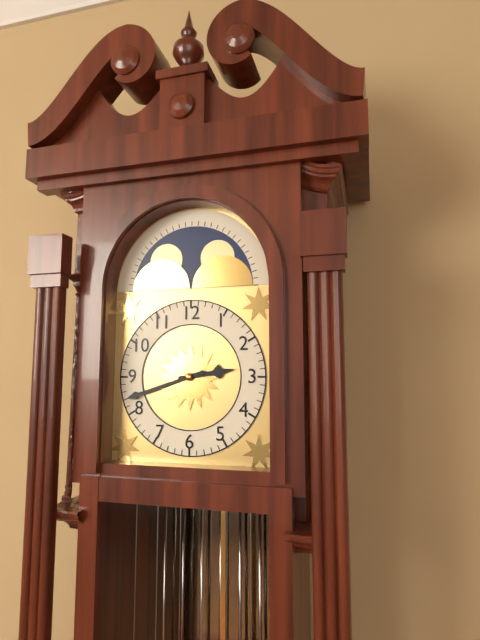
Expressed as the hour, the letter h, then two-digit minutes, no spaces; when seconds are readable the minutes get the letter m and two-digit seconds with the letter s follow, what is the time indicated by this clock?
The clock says 2h42
